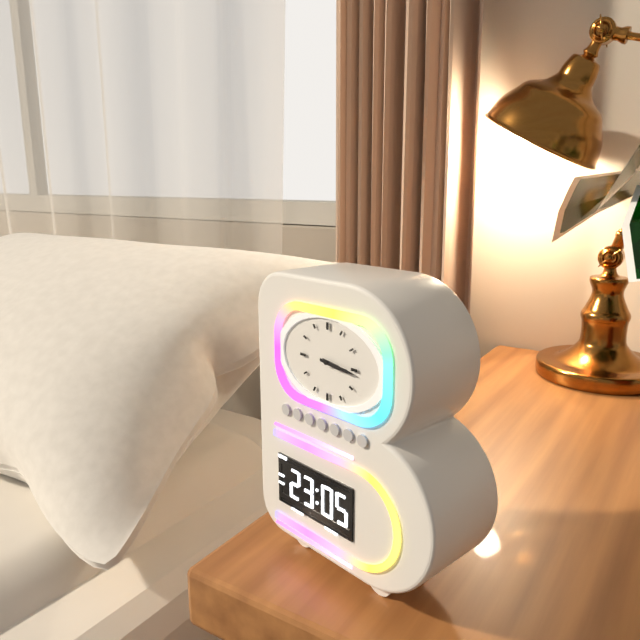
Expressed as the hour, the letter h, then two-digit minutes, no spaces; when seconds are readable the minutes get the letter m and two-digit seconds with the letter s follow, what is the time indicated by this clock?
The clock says 3h16
